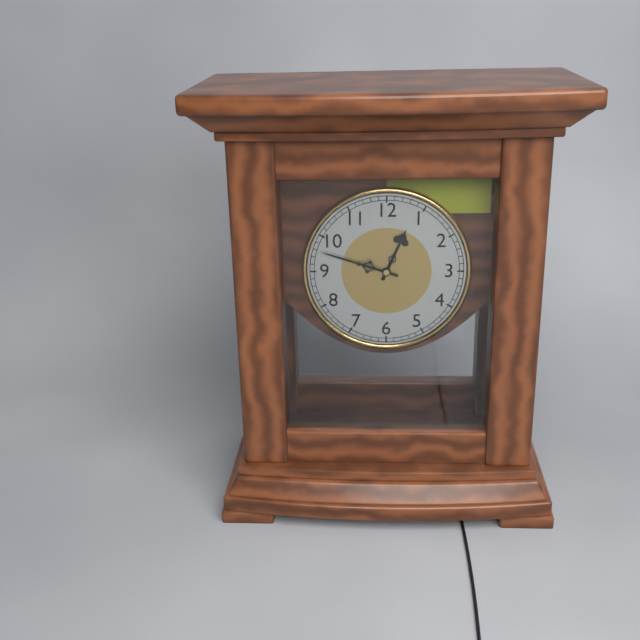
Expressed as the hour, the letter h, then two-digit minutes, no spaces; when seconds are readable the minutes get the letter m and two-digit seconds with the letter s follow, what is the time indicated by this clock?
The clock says 12h48
